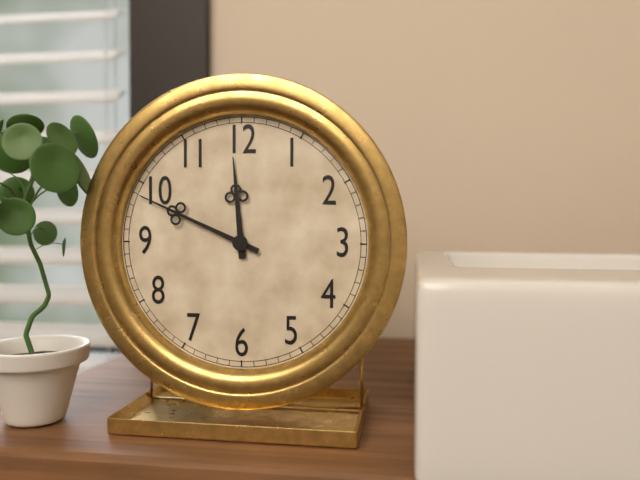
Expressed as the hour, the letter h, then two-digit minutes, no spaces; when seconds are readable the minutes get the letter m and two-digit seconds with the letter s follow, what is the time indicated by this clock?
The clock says 11h49
